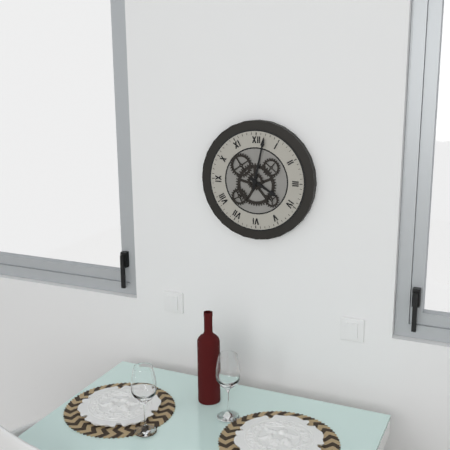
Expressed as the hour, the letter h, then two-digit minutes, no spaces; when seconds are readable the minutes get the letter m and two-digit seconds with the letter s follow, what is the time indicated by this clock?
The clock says 4h02
